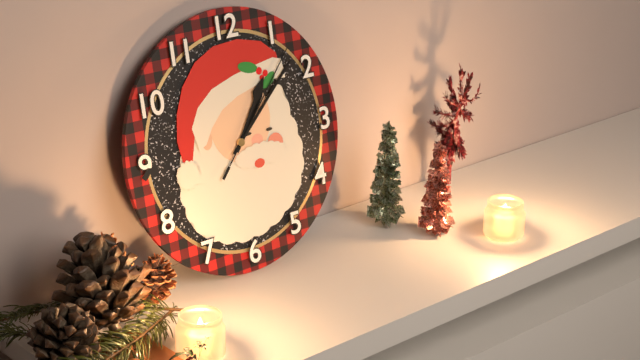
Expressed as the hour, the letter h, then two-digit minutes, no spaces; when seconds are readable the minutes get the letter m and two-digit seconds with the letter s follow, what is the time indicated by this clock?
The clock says 1h08m07s
